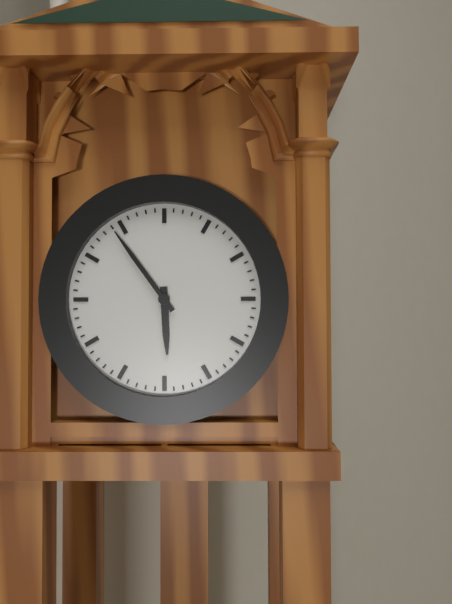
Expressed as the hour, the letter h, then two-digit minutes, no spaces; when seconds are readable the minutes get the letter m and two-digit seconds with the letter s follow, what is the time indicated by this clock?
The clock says 5h54
